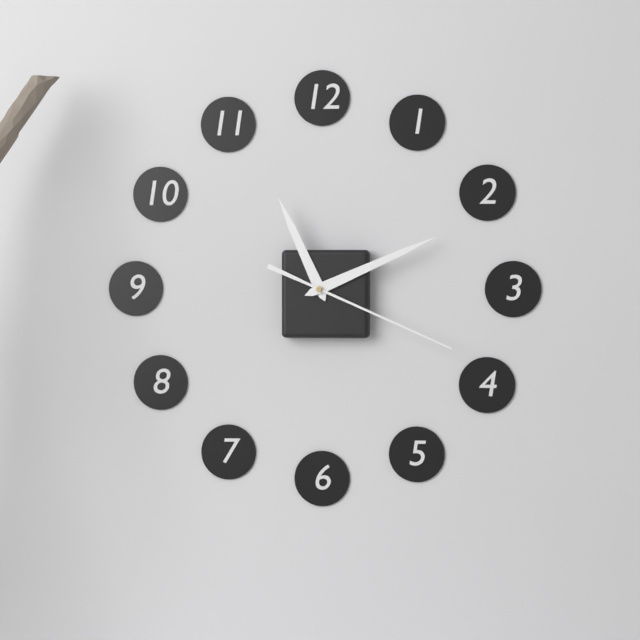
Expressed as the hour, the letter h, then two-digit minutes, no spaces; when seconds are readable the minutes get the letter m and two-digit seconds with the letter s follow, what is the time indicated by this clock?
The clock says 11h11m19s
